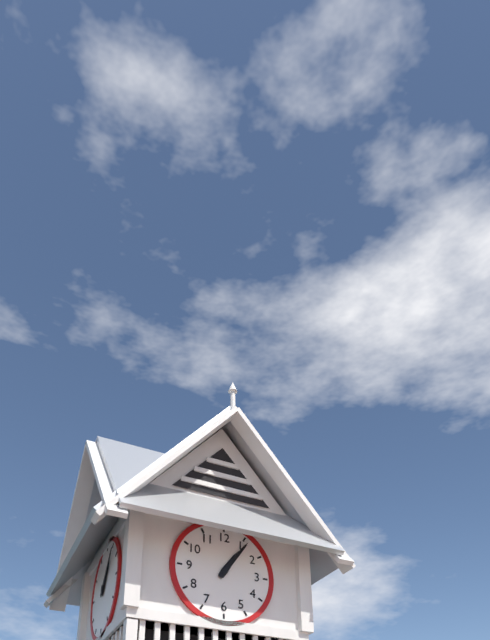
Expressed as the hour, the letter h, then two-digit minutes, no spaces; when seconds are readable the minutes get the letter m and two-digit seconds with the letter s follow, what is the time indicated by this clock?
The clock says 1h06
